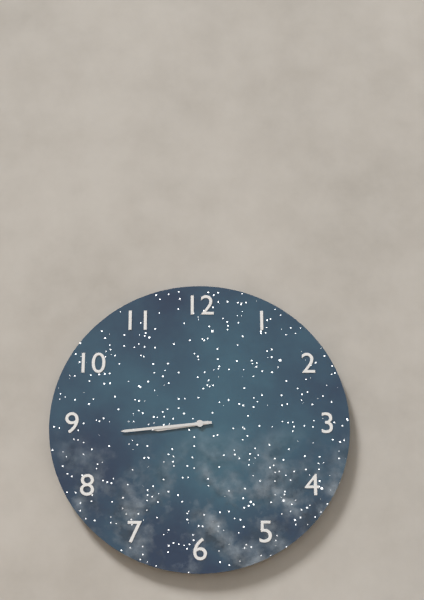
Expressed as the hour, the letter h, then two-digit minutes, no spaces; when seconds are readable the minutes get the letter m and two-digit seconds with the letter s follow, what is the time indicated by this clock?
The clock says 8h44
